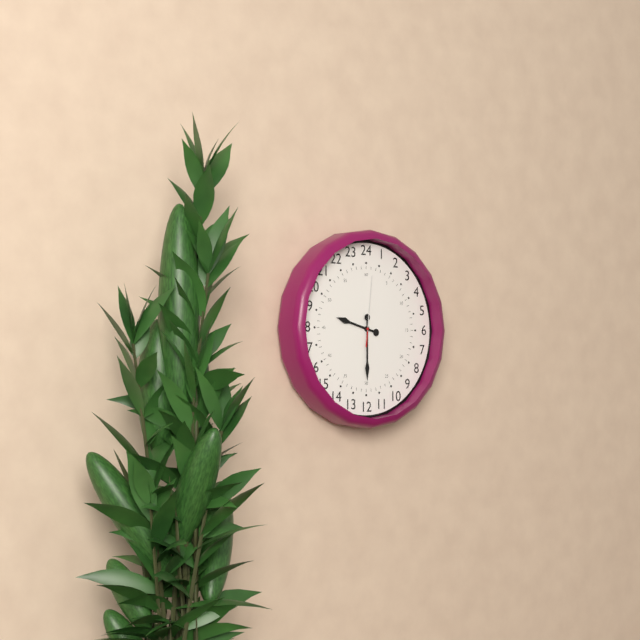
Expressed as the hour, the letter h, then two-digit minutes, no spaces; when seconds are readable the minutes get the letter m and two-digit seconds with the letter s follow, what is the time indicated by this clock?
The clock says 9h30m01s
